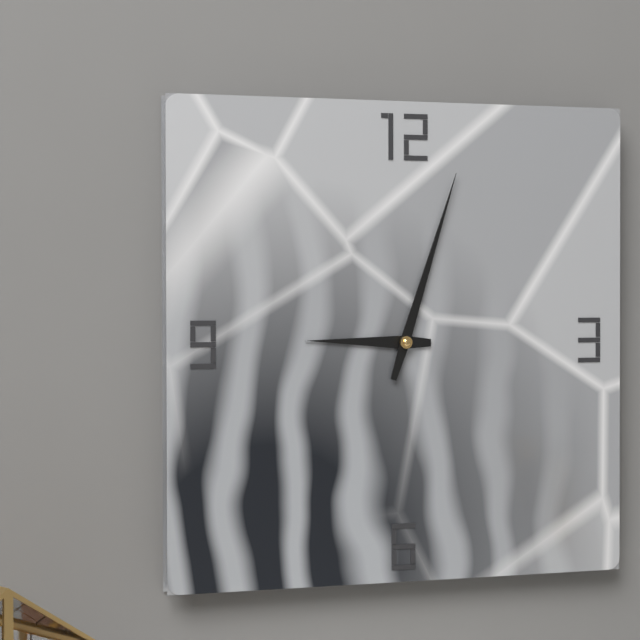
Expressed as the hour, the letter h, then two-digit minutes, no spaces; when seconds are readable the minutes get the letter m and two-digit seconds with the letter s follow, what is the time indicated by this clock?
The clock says 9h03
